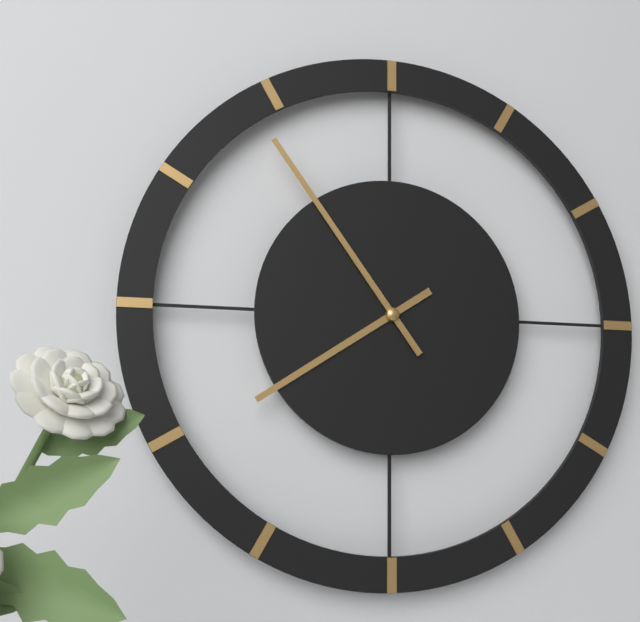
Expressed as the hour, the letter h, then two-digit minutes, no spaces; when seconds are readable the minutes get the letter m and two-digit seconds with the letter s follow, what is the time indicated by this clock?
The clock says 7h54
